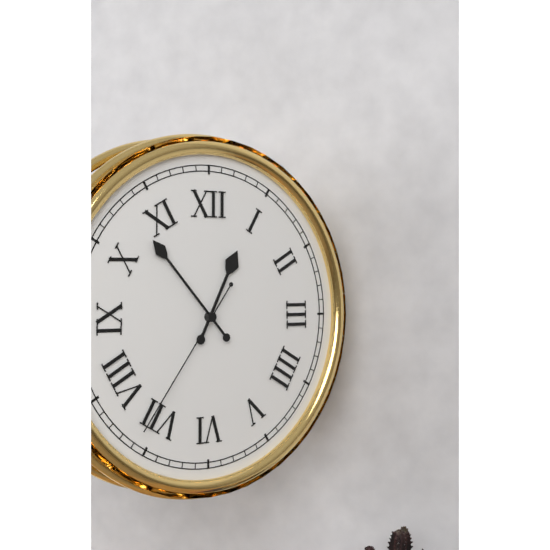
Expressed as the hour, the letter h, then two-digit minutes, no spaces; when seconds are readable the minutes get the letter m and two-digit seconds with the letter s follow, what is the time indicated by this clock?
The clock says 12h53m36s
